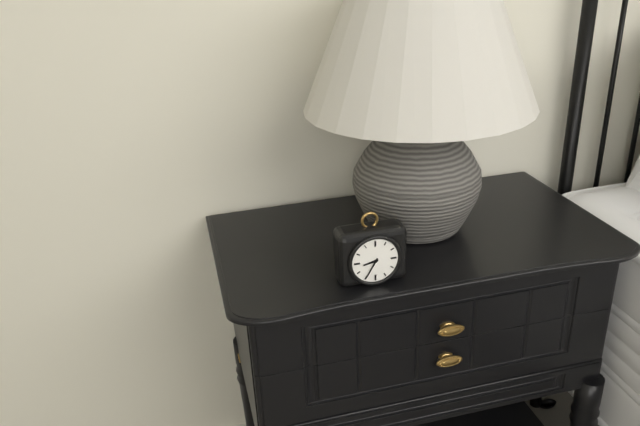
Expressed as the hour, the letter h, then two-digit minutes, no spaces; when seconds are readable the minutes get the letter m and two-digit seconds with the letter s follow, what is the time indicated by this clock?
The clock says 8h35
